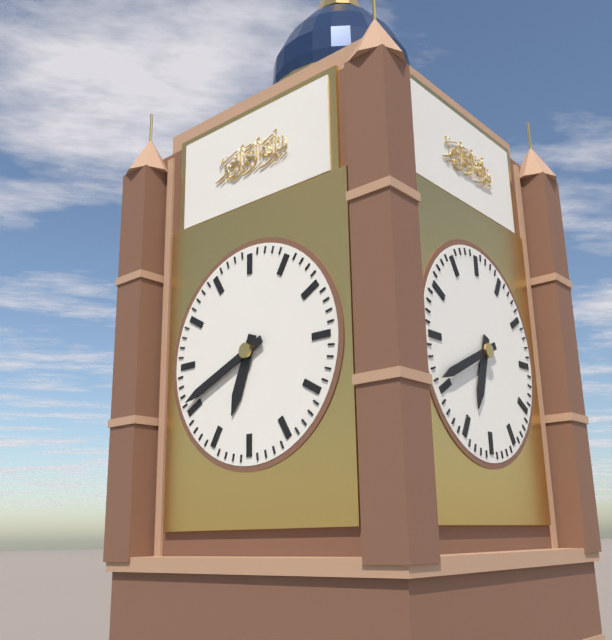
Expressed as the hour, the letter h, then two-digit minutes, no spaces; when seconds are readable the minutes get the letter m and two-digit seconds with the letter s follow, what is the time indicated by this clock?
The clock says 6h41
